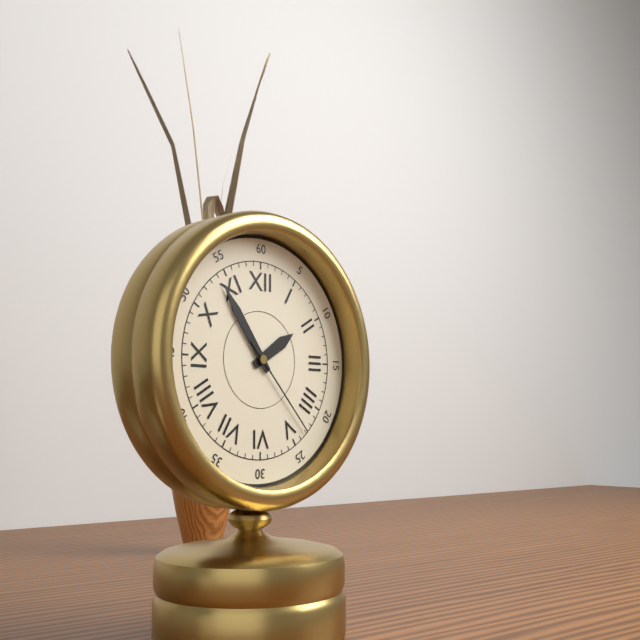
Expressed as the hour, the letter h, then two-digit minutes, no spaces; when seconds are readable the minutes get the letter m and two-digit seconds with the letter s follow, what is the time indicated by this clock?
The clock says 1h54m23s
